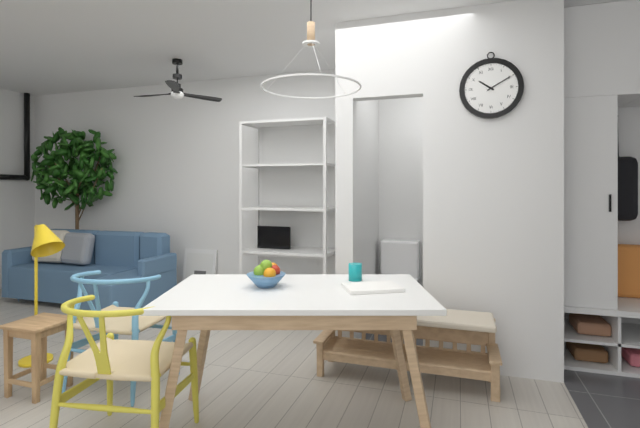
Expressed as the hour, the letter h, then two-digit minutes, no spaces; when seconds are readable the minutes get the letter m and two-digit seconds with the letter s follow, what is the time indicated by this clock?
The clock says 10h10
